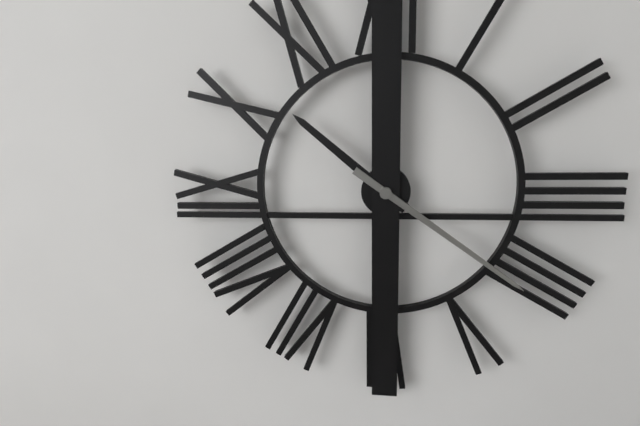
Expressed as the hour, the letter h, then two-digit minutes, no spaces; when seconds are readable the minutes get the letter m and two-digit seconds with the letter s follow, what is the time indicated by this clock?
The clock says 10h21
